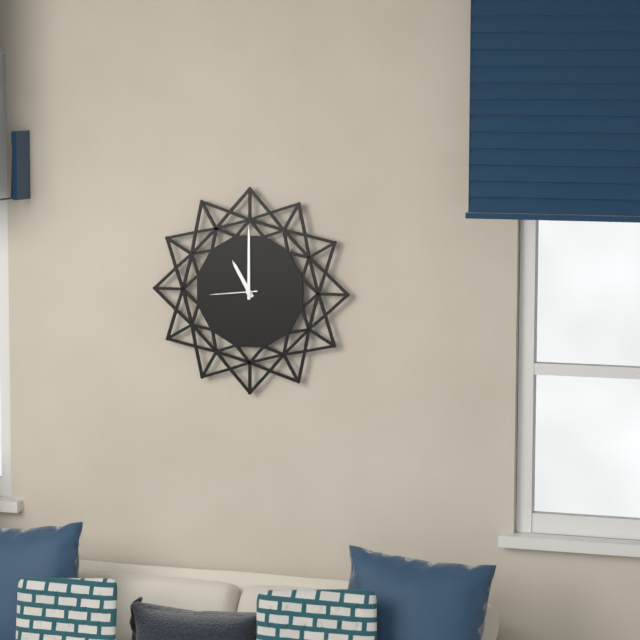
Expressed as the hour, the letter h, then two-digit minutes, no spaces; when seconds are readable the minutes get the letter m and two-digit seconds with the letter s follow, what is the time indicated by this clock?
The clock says 11h00m44s
